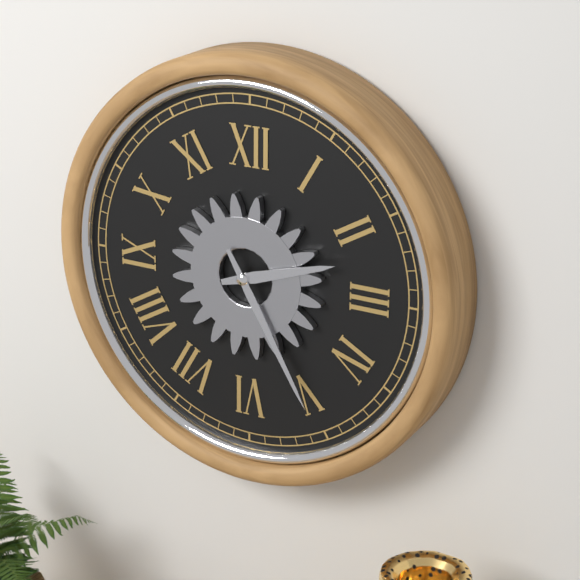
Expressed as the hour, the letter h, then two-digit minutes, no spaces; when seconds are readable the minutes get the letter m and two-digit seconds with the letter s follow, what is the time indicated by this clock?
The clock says 2h25
